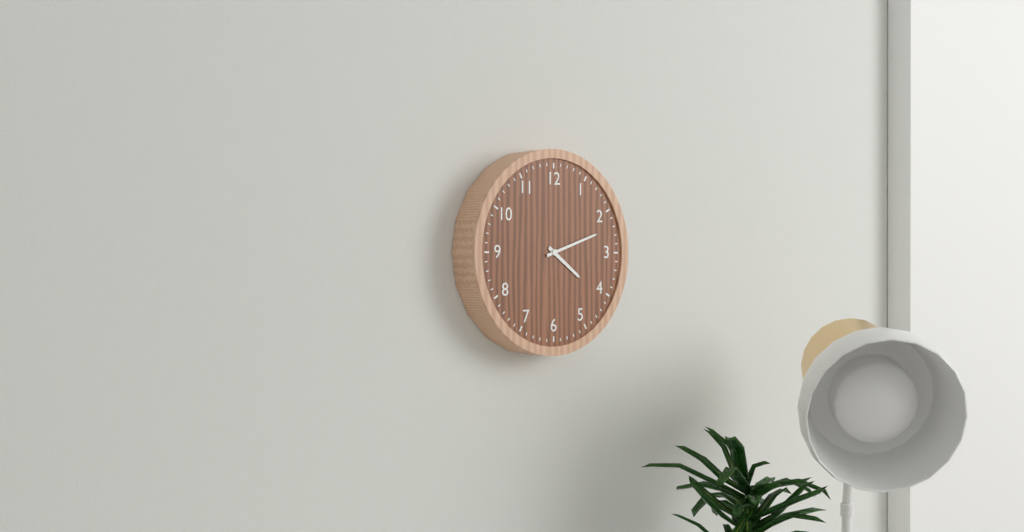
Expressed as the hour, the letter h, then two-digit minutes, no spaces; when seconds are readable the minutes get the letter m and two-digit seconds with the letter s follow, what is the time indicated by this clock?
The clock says 4h12
